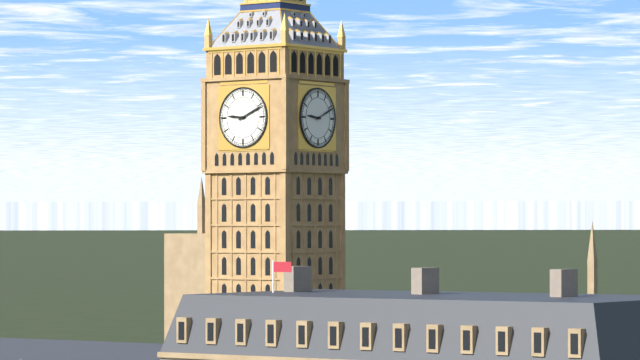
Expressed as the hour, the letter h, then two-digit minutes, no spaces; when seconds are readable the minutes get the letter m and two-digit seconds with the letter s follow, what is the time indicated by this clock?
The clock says 9h11
